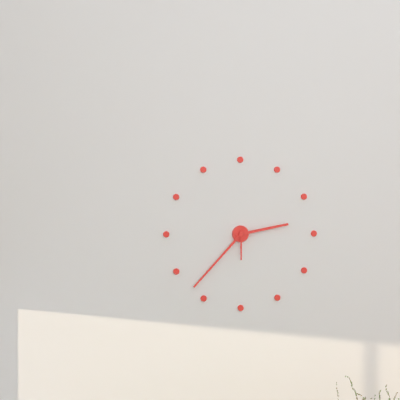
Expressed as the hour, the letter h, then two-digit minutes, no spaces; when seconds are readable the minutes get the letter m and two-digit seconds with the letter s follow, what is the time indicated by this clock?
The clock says 2h37
